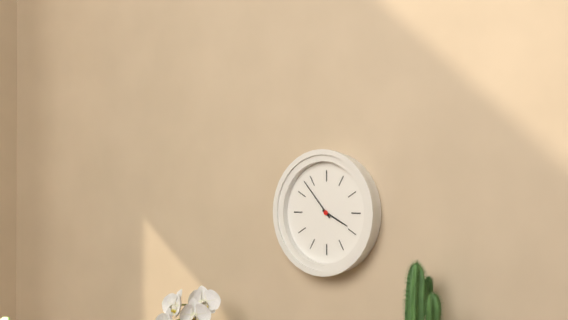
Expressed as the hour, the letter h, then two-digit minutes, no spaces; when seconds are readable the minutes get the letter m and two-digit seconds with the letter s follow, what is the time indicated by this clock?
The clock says 3h53
